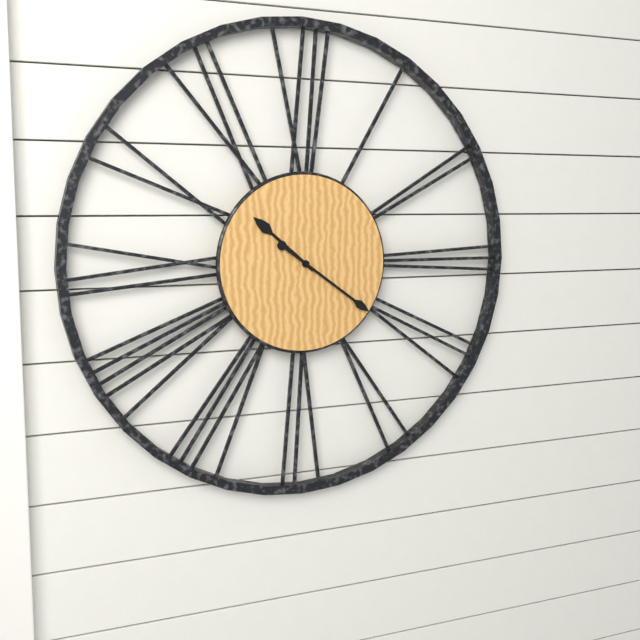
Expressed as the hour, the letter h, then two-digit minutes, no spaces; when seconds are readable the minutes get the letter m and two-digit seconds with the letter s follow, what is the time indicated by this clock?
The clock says 10h21
